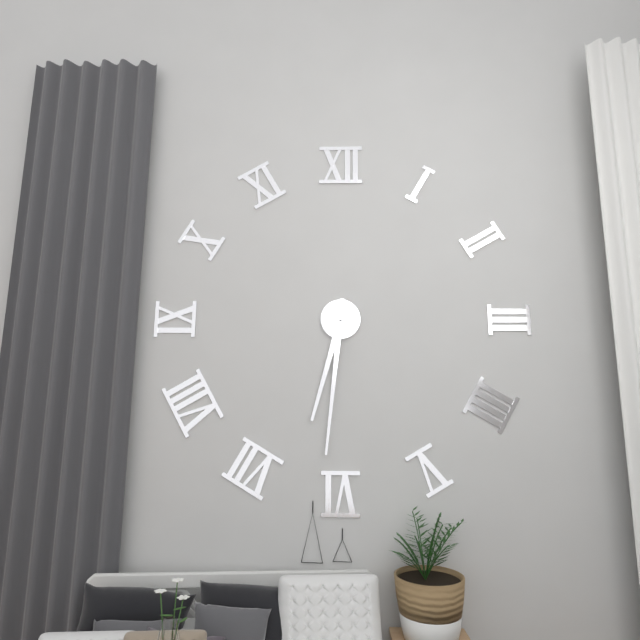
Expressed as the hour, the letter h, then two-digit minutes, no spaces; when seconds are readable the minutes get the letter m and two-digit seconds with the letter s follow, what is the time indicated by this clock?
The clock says 6h31
